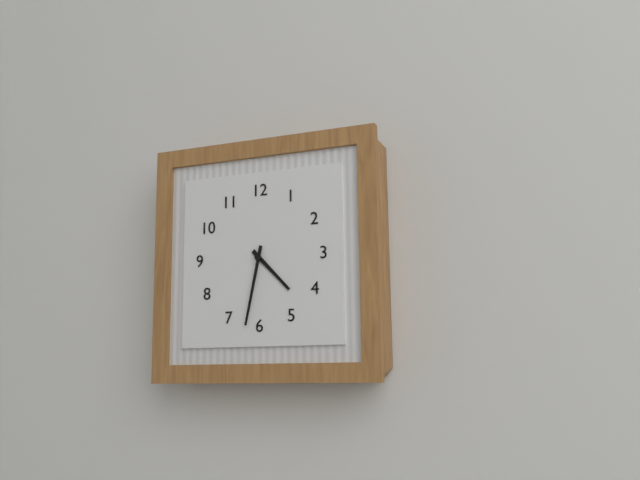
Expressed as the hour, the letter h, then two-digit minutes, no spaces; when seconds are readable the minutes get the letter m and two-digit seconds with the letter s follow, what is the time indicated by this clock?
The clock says 4h32
